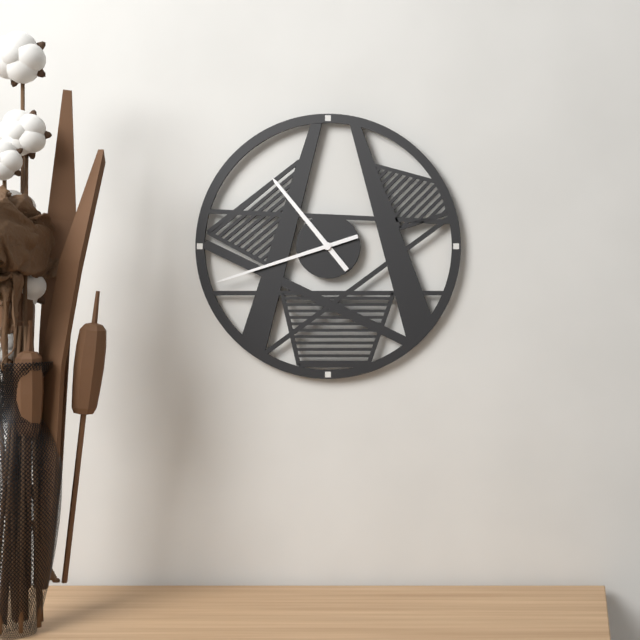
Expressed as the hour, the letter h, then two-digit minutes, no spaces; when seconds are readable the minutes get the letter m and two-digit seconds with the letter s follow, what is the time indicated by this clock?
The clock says 10h42
